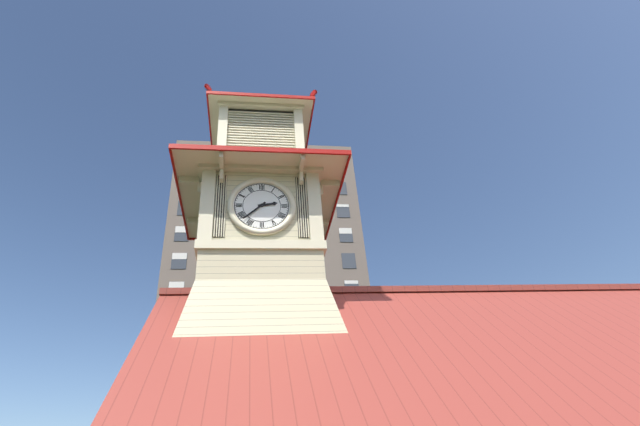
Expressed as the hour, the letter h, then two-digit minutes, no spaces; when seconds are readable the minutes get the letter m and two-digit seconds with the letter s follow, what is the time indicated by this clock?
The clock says 2h38
